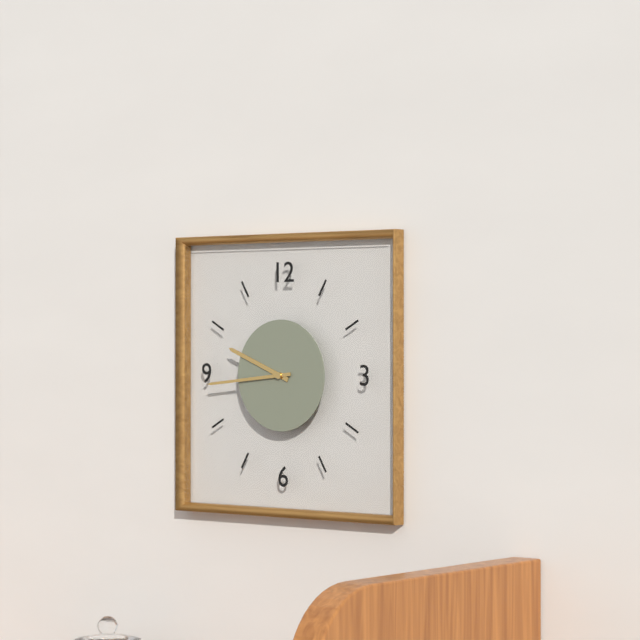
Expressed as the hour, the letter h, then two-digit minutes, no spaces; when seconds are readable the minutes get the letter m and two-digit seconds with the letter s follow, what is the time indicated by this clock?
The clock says 9h44
